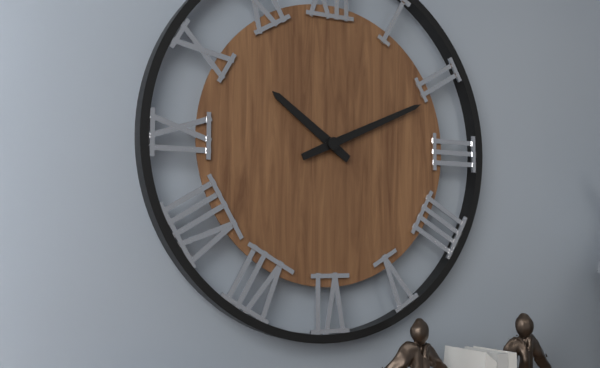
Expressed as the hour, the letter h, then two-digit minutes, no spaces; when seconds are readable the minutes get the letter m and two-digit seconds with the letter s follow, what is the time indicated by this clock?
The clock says 10h11
